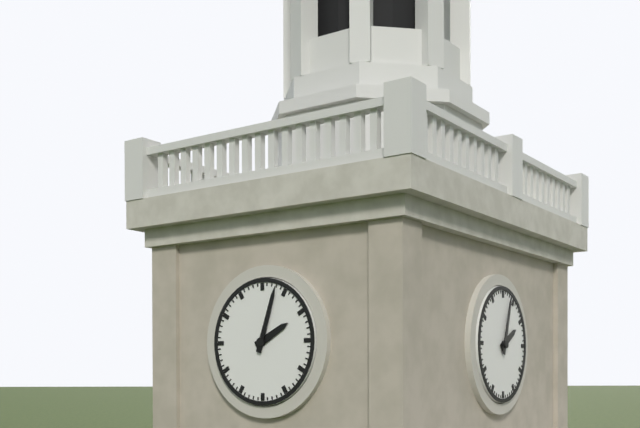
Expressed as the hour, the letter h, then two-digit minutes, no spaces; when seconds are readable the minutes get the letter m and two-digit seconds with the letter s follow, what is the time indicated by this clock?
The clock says 2h03
